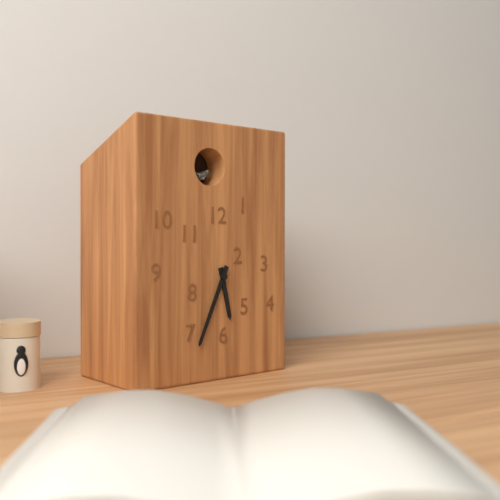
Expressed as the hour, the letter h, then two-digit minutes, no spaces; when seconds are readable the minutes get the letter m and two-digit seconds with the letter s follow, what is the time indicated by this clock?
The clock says 5h34
